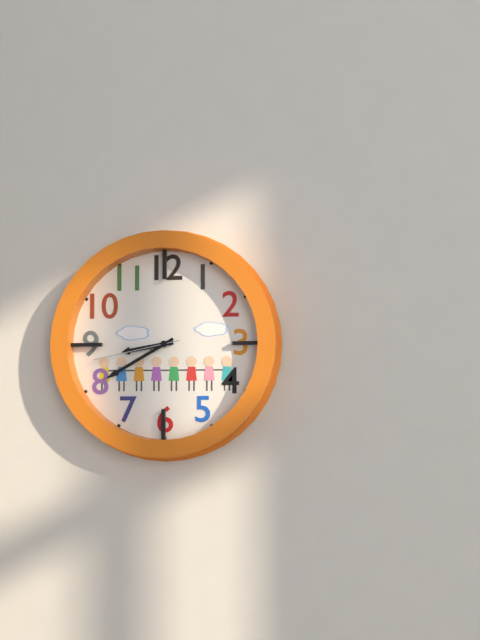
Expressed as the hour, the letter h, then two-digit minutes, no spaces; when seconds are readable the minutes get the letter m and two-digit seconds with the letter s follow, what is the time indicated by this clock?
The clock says 8h40m43s
